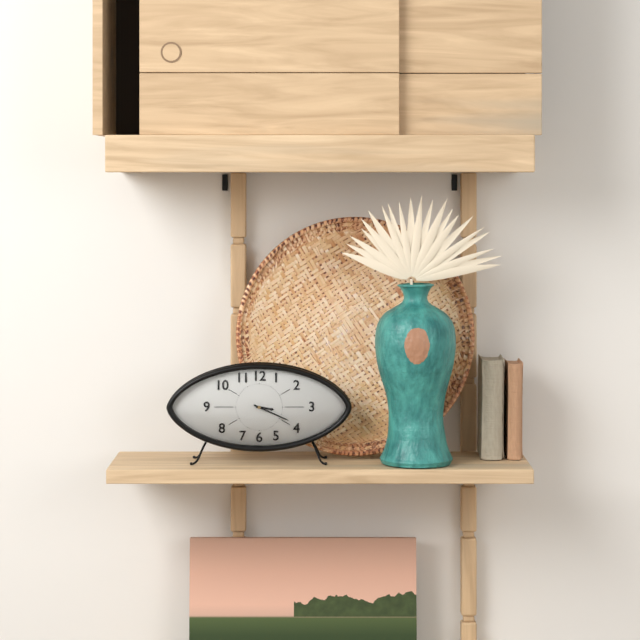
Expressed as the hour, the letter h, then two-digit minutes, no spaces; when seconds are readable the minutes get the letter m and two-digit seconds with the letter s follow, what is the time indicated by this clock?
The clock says 3h19
